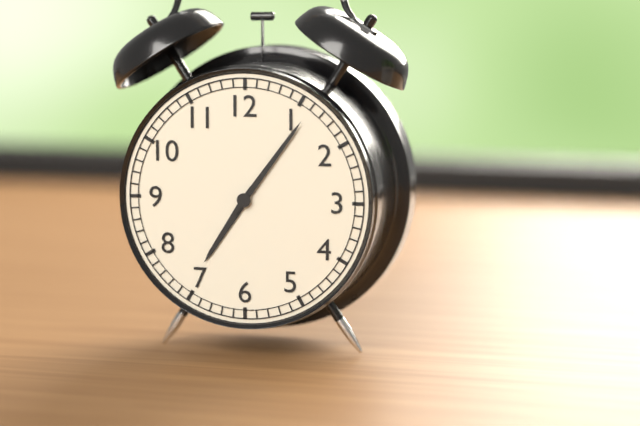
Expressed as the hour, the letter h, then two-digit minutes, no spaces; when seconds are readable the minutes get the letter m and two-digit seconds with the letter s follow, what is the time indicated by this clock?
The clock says 7h06
